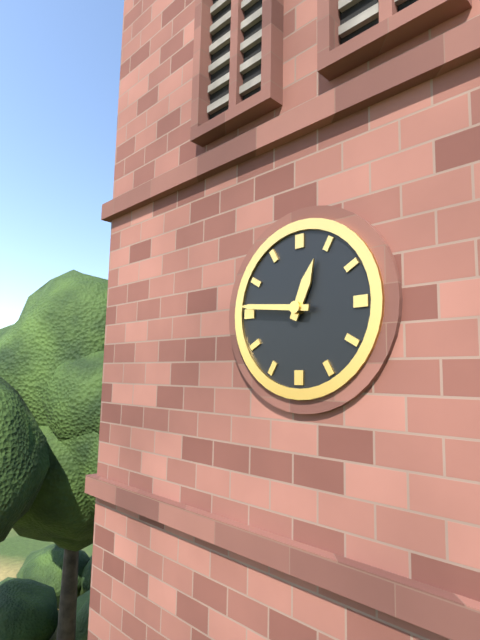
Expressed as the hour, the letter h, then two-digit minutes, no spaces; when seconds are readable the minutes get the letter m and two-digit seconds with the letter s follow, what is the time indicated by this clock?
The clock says 12h46
